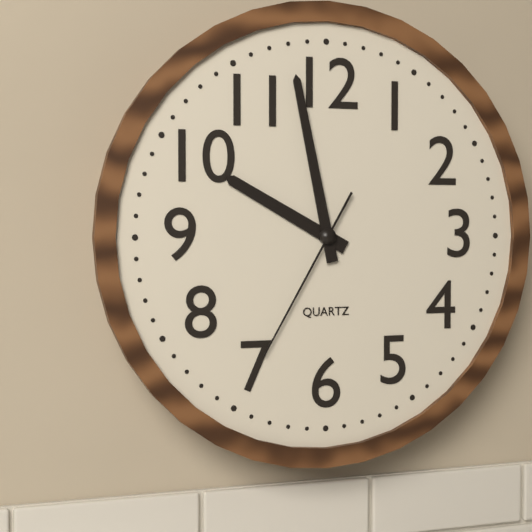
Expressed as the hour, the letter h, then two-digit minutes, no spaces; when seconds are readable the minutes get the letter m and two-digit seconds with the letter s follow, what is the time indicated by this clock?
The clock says 9h58m35s
